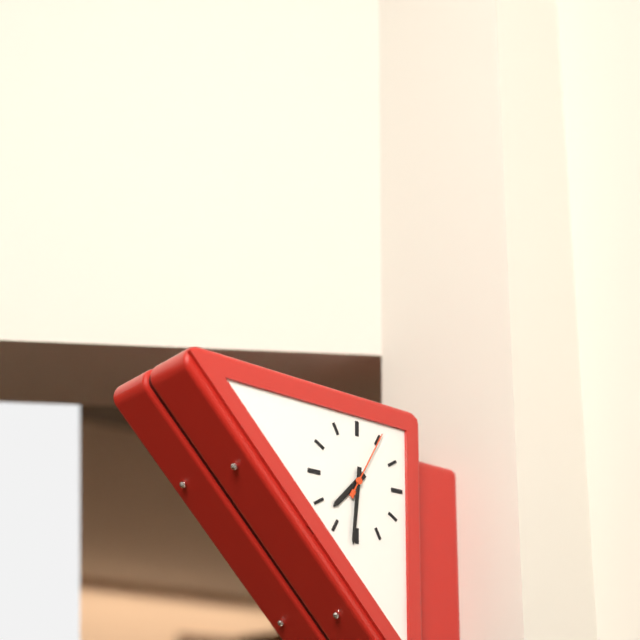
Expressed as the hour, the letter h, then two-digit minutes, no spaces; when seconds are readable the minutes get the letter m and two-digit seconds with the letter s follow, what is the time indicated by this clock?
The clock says 7h31m05s
